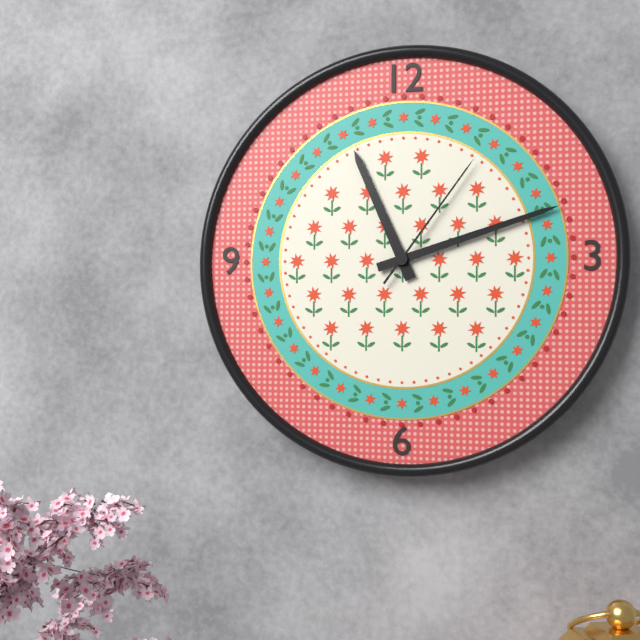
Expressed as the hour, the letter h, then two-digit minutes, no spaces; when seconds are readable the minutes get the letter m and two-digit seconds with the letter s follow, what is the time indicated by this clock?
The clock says 11h12m06s
